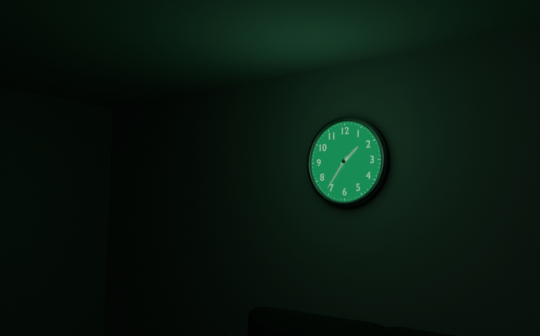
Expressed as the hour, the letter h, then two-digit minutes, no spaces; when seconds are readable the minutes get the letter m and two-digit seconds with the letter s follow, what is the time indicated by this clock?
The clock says 1h36
